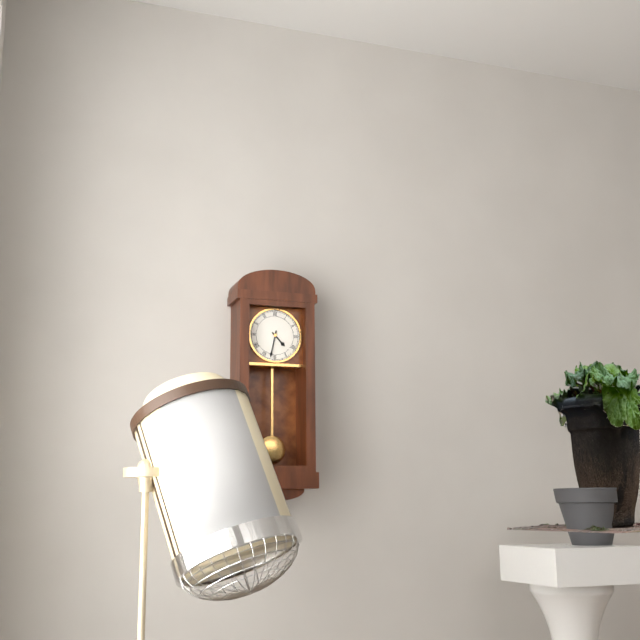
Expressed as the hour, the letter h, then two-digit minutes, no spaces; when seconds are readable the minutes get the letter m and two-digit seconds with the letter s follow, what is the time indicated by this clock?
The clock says 4h32
